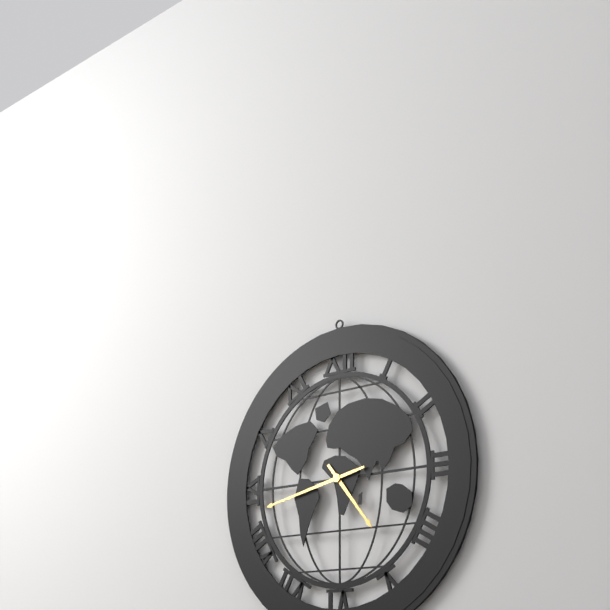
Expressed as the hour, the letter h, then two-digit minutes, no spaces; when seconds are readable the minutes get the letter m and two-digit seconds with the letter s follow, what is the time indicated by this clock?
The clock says 4h43
